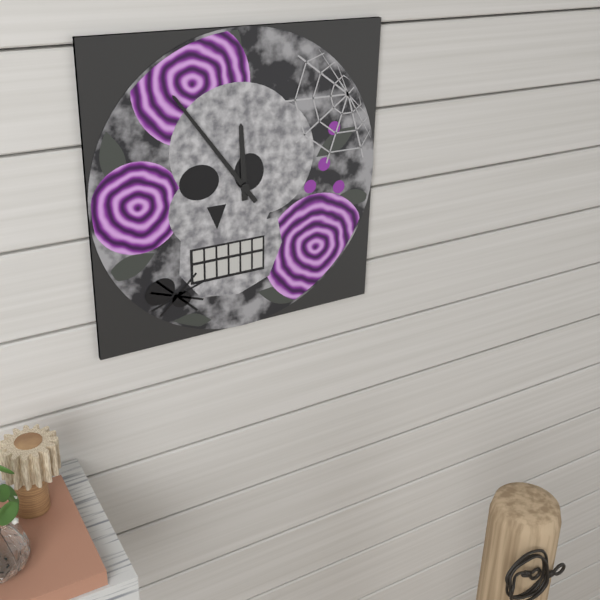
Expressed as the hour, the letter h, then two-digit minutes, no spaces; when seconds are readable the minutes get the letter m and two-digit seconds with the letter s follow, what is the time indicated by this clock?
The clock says 11h54
